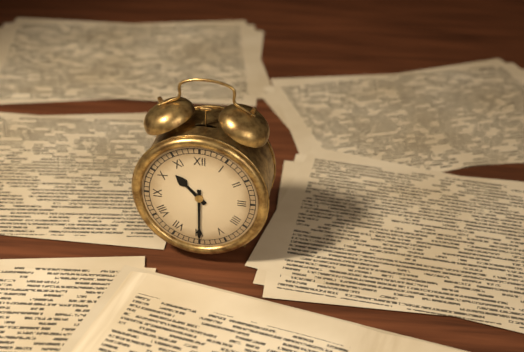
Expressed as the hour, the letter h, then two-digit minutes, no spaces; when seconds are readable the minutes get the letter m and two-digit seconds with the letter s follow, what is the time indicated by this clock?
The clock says 10h30
